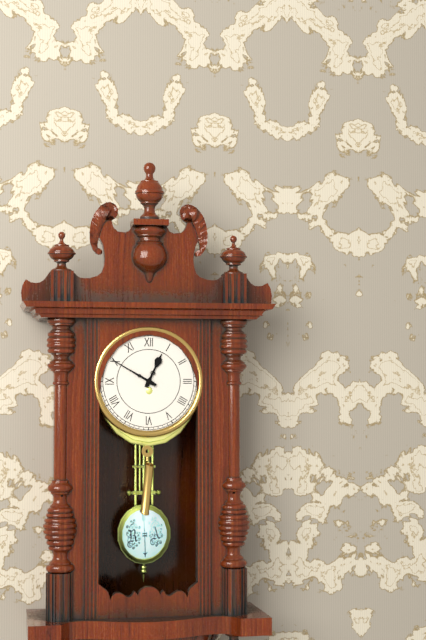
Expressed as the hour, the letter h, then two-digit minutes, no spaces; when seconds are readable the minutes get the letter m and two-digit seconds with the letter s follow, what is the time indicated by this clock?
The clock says 12h50
